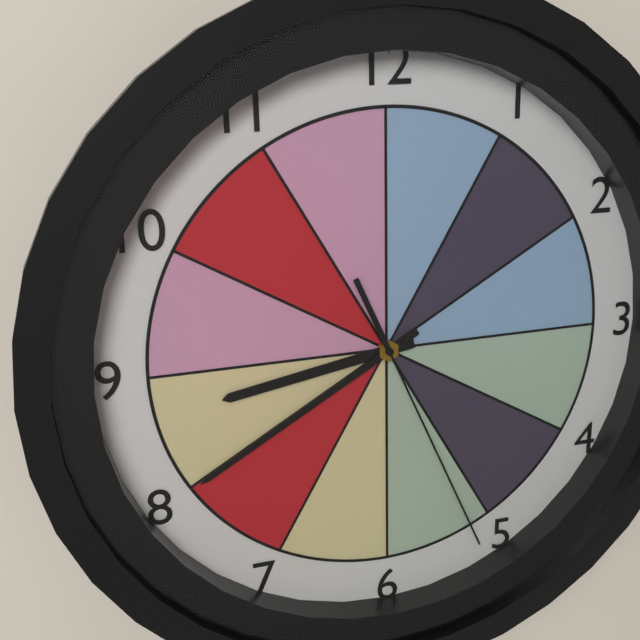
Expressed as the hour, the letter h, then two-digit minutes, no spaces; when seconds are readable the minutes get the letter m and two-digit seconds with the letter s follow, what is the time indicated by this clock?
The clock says 8h40m26s
